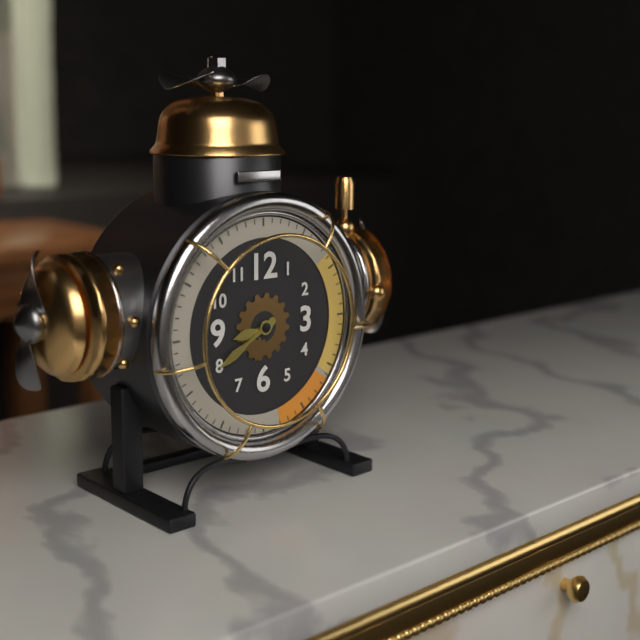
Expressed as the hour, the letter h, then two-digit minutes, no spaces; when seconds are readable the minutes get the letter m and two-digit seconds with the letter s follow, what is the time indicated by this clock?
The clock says 8h40
